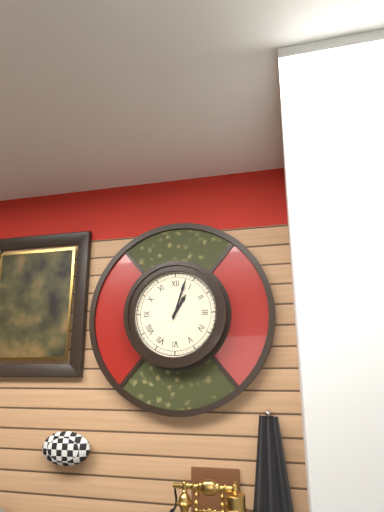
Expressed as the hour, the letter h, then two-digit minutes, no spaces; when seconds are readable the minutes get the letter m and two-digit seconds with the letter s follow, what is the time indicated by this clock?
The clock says 1h03
